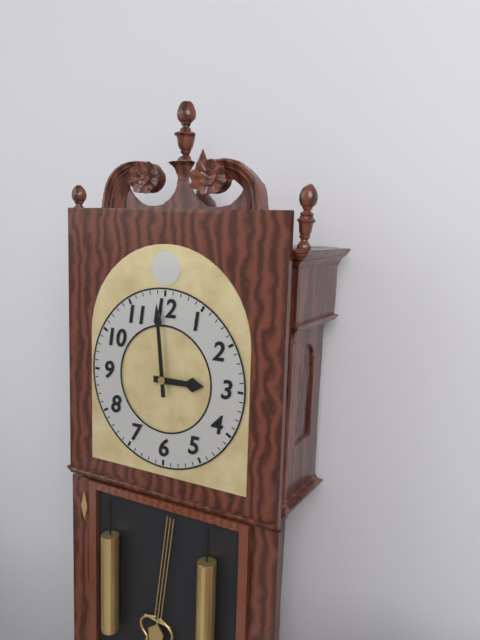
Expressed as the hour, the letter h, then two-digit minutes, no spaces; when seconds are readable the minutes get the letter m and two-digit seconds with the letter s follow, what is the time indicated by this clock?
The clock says 2h59
